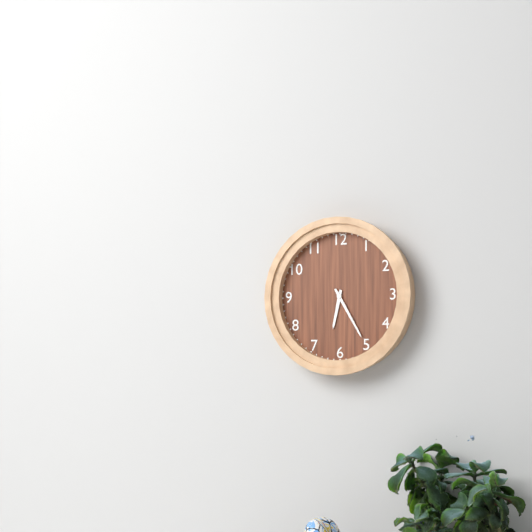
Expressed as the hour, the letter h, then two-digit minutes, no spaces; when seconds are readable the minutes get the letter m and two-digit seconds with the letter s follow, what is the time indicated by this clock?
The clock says 6h25
